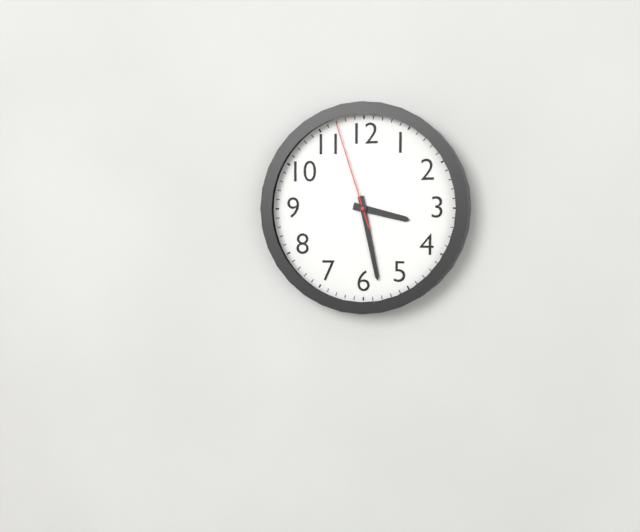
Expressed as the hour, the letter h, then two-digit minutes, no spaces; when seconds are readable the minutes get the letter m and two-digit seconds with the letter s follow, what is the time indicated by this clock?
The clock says 3h28m57s
